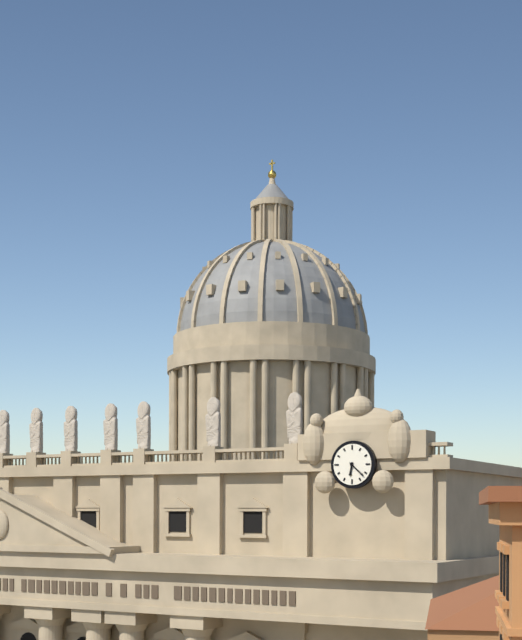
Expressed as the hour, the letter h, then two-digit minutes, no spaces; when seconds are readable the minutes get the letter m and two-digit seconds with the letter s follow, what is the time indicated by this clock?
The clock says 6h22
